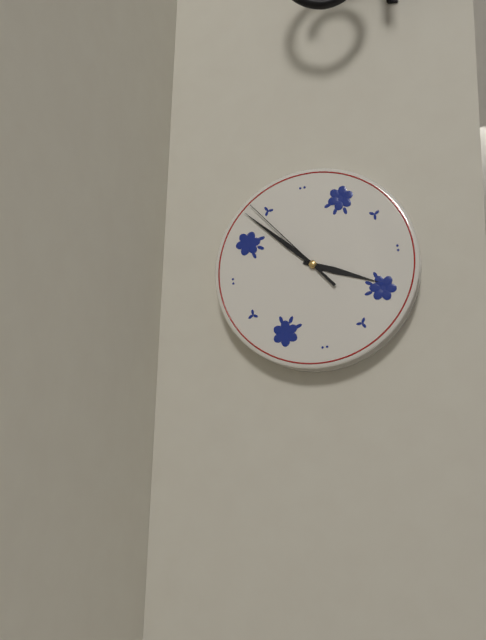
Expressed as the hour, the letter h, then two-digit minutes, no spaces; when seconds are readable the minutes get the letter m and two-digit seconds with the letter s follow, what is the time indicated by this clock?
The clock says 3h53m54s
